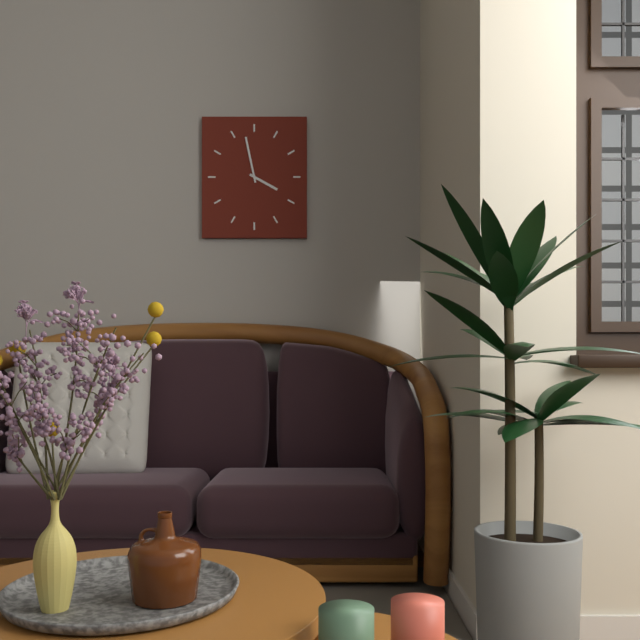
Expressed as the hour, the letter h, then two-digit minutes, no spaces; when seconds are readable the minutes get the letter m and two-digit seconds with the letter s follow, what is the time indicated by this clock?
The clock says 3h58
